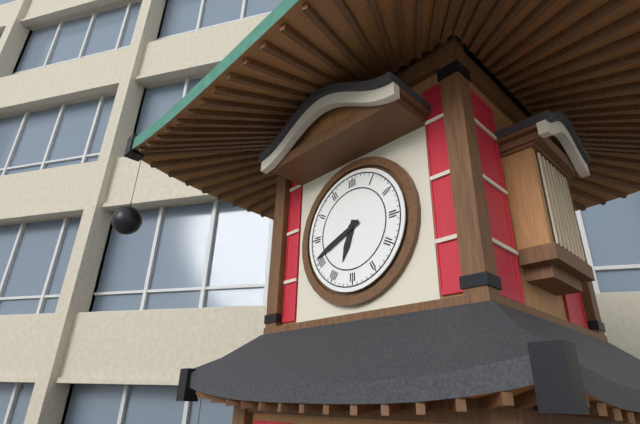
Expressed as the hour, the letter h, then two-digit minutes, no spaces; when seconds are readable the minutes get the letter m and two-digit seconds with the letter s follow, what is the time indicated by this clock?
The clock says 6h41
